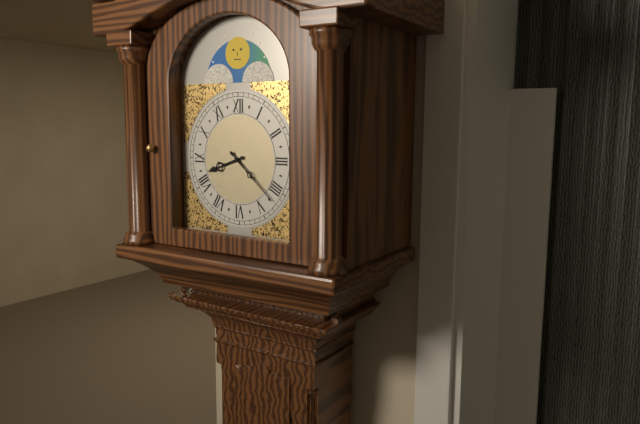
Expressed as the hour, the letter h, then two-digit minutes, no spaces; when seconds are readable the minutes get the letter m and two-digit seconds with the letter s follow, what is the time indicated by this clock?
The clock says 8h22
